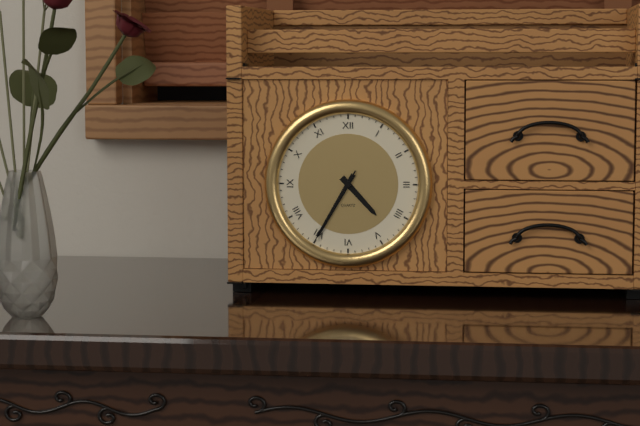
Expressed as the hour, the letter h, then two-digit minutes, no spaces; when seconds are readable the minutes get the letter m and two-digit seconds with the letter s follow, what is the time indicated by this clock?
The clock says 4h35m35s
